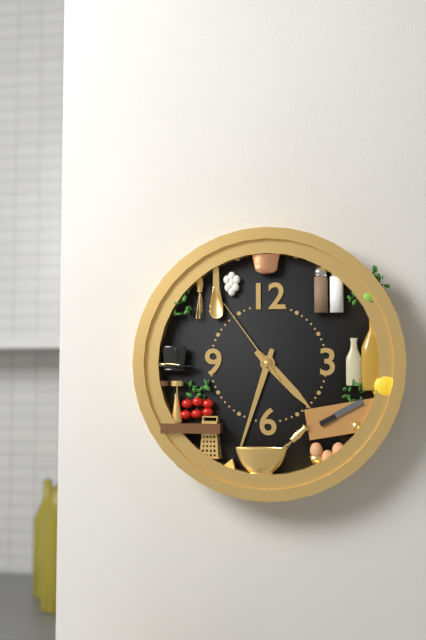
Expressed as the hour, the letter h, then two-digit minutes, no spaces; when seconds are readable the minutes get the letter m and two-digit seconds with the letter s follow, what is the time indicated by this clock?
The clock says 4h33m54s
